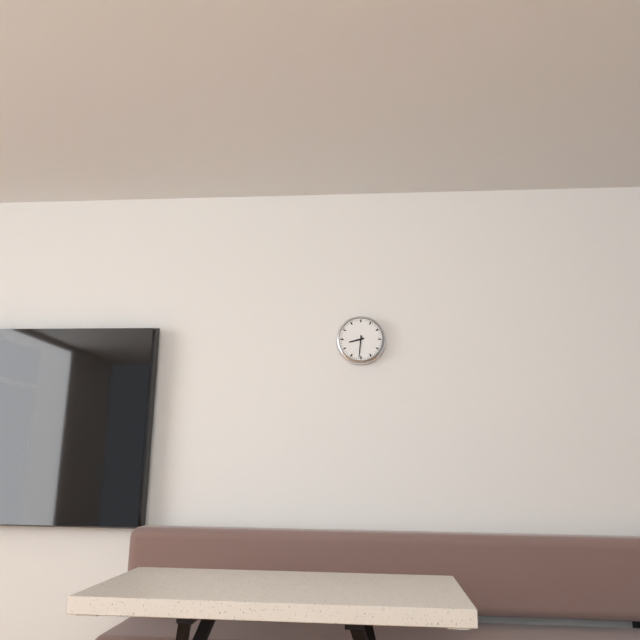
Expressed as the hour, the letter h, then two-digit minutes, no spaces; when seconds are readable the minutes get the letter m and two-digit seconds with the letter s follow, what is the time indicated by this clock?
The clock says 8h31
